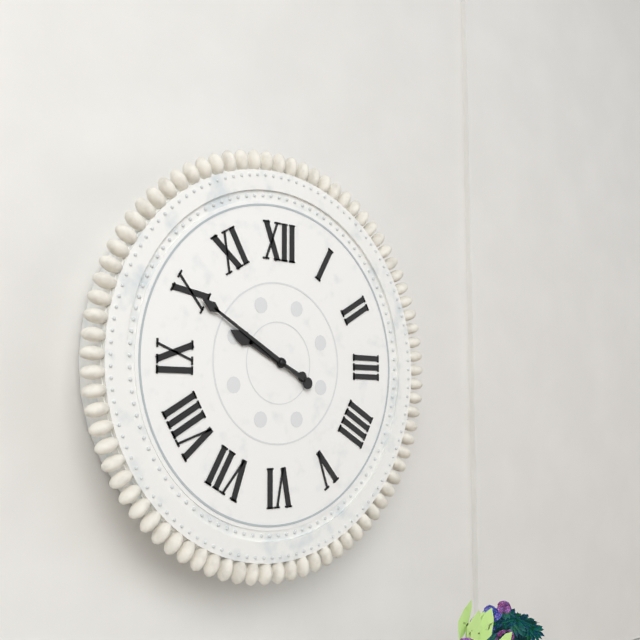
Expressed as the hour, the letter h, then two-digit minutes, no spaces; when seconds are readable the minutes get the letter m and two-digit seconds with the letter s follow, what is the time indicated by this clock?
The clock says 9h50
